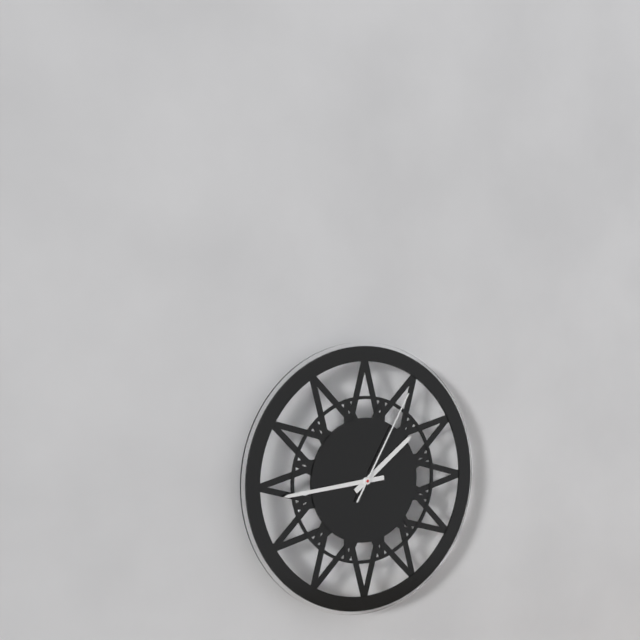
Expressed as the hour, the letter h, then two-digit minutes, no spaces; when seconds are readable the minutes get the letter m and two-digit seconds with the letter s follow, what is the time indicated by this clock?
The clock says 1h44m05s
